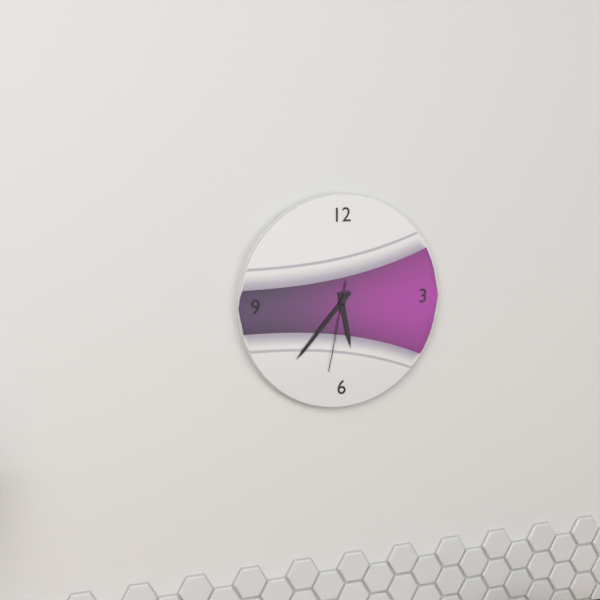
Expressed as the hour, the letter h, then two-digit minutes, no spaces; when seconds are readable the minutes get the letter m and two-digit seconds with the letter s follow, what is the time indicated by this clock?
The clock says 5h37m32s
